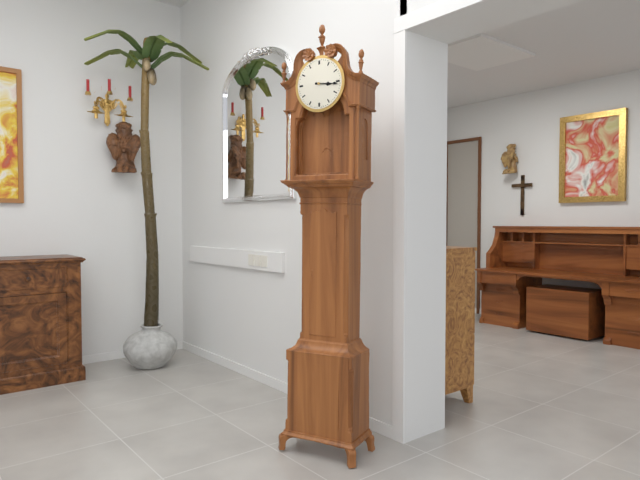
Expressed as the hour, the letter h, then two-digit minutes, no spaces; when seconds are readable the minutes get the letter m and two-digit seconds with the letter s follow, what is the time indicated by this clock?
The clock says 3h16
